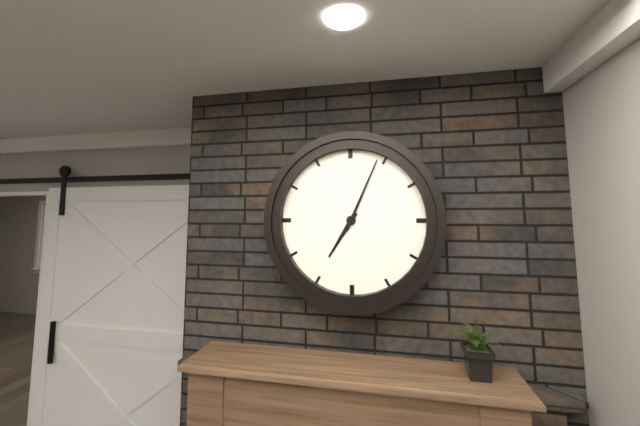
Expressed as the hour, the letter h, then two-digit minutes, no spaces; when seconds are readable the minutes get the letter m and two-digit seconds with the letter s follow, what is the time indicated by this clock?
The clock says 7h04
